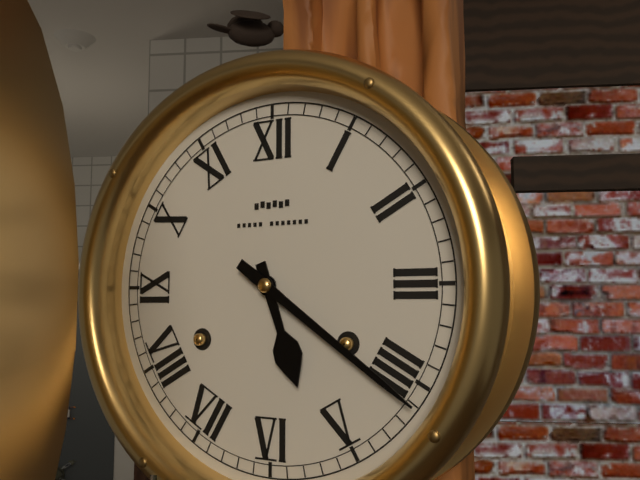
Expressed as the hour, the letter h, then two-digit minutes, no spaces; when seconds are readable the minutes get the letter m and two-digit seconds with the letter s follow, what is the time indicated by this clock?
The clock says 5h21
